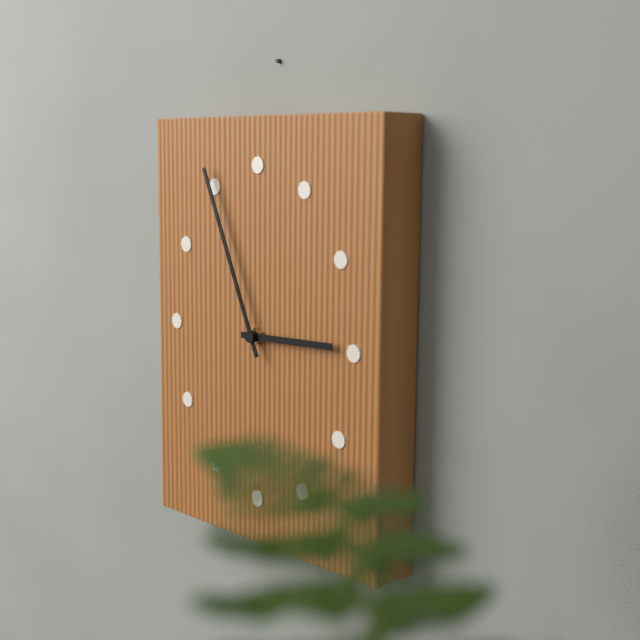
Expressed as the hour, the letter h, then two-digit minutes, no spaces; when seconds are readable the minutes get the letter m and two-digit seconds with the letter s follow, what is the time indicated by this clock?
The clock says 2h56
